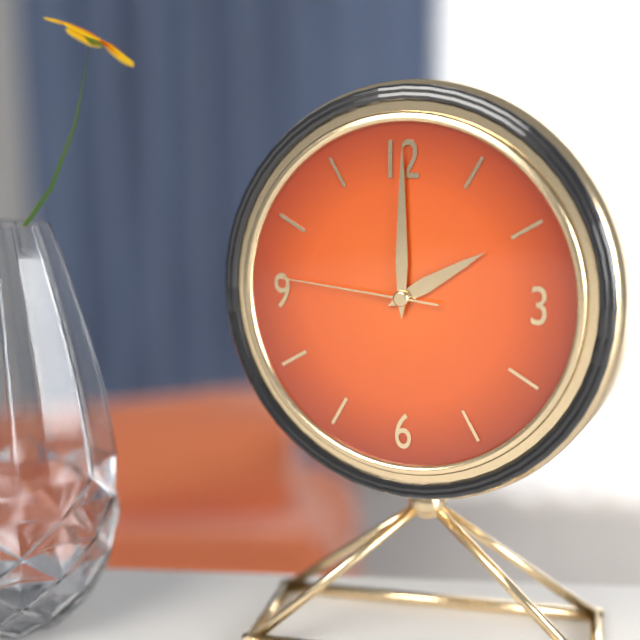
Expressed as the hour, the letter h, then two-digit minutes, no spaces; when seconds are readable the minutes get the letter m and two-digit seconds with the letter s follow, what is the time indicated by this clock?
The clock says 2h00m46s
